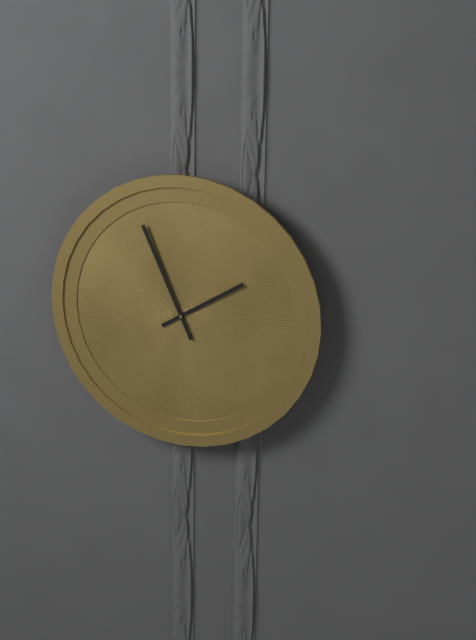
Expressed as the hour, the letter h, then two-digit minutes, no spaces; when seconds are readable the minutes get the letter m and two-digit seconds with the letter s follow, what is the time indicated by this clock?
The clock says 1h56
